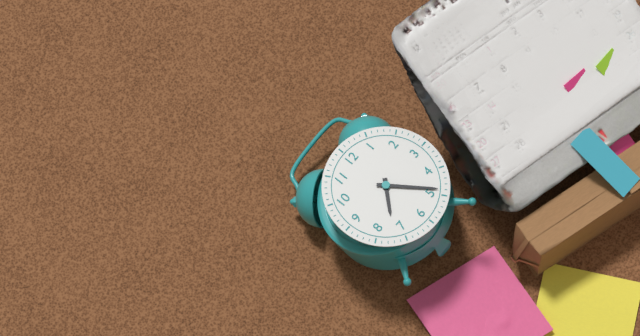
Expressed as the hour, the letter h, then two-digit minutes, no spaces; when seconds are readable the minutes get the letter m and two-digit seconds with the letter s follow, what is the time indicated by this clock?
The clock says 7h24
